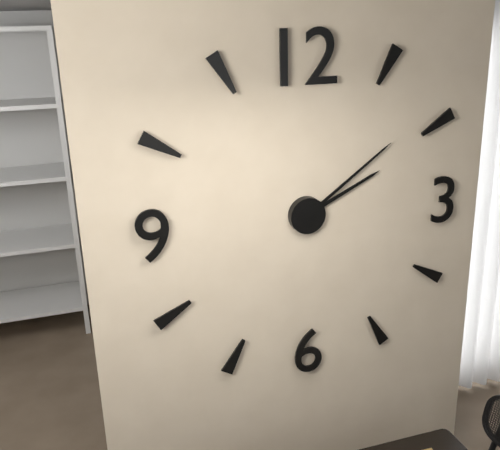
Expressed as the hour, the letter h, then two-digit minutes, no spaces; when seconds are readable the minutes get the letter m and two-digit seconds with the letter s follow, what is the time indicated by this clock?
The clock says 2h09
